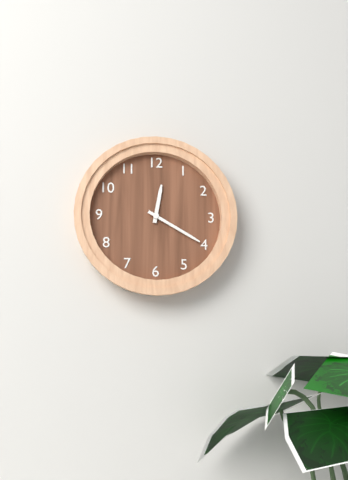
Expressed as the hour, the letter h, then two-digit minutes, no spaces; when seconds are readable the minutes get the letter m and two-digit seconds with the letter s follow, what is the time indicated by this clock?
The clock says 12h20
